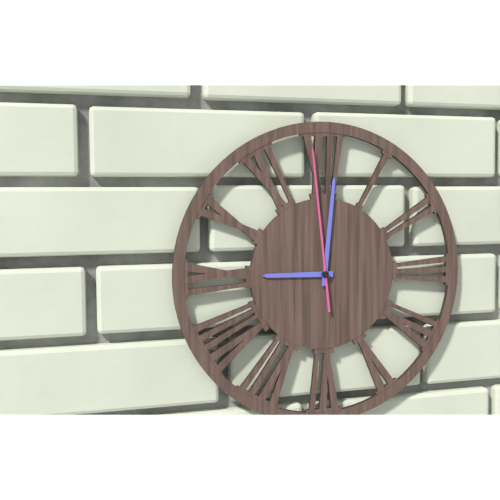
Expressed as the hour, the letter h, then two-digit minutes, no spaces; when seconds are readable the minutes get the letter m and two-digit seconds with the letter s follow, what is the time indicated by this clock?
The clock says 9h01m59s
